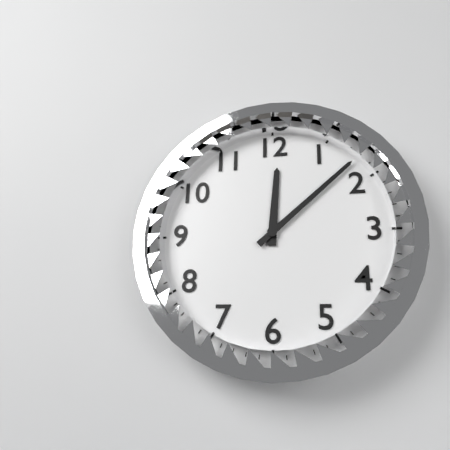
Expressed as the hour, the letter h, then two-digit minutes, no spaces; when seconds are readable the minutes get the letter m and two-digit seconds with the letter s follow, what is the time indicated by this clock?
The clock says 12h08
